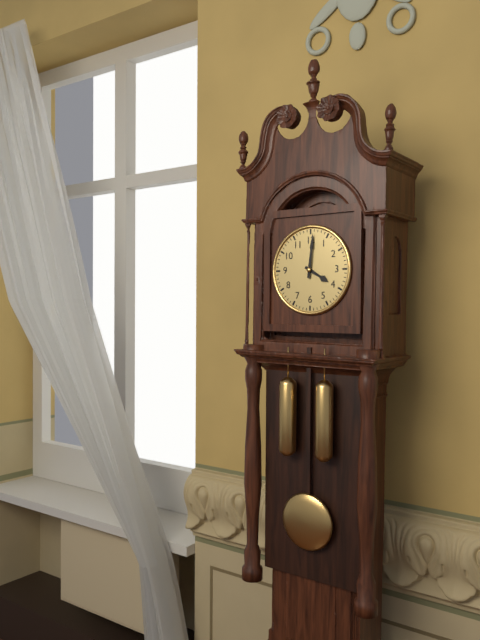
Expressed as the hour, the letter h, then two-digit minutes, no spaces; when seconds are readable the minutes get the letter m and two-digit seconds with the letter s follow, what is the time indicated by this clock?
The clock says 4h01
